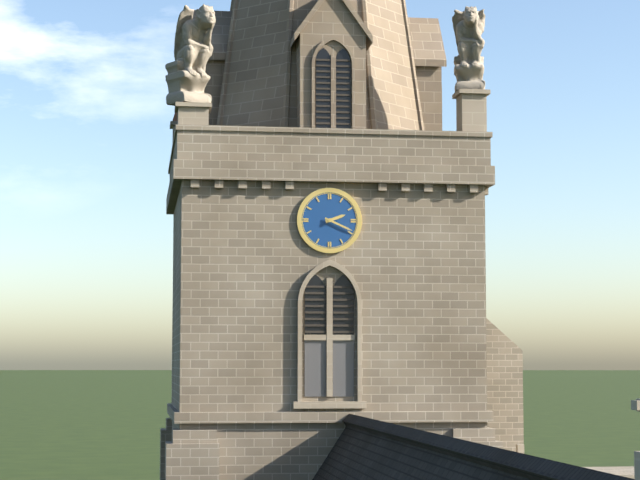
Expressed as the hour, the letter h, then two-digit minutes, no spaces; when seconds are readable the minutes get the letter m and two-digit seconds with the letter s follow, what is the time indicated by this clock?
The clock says 2h19
